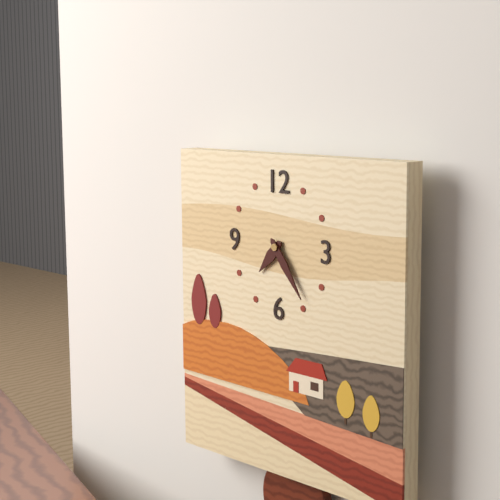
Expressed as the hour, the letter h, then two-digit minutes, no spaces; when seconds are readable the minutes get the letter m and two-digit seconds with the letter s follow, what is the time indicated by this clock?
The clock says 7h24
